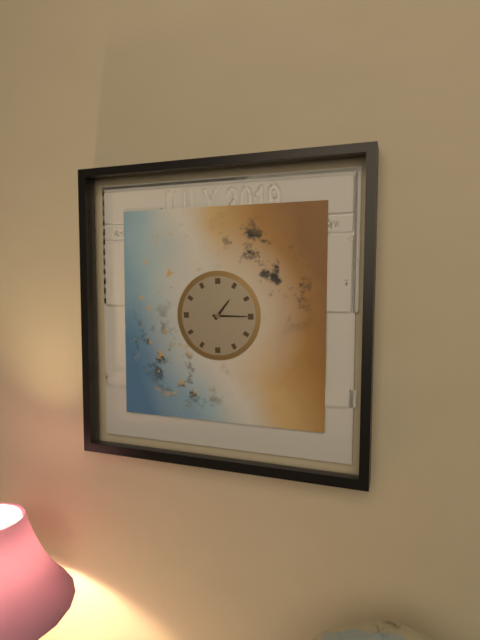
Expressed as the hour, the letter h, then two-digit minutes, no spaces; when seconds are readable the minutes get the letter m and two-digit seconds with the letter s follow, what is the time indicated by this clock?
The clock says 1h15
